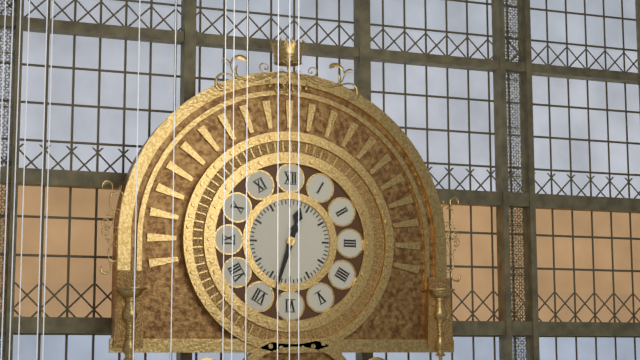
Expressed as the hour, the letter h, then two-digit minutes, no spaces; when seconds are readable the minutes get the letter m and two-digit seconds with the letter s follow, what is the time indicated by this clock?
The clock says 12h33
